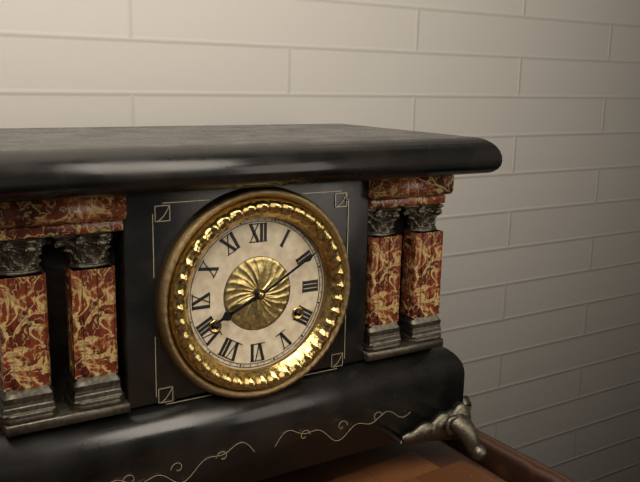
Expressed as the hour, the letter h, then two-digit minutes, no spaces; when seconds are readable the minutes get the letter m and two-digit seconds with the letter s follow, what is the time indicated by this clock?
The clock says 8h10
